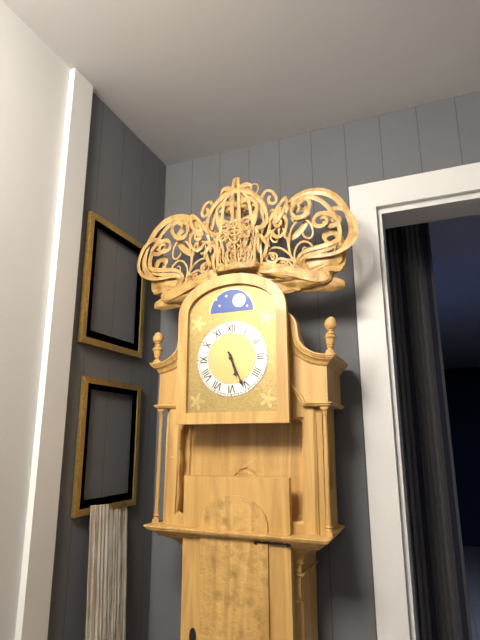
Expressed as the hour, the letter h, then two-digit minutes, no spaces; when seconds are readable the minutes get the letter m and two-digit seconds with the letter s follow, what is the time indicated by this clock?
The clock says 5h26
